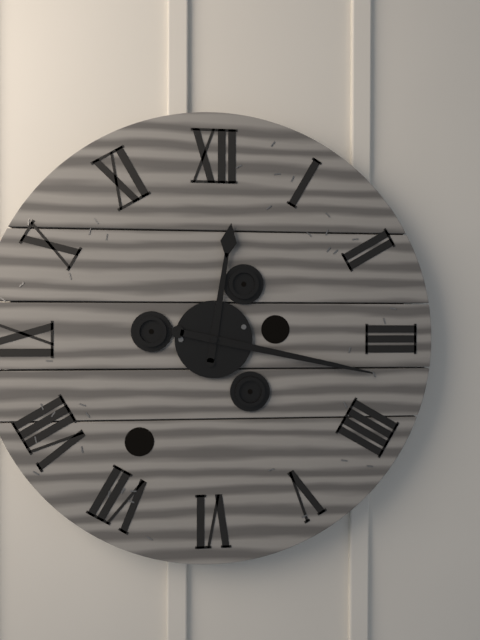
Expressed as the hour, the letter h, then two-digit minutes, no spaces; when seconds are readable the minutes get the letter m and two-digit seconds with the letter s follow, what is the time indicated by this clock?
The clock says 12h17
